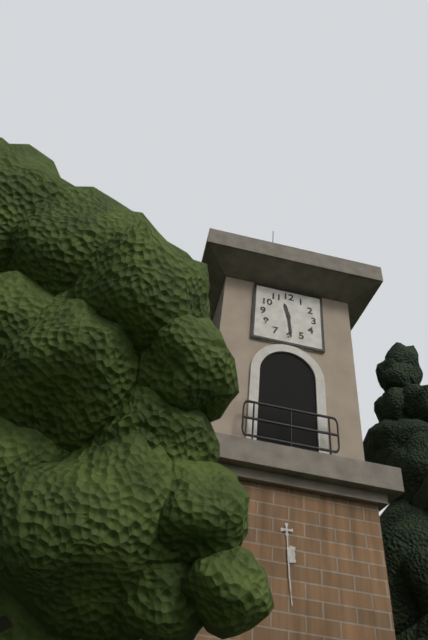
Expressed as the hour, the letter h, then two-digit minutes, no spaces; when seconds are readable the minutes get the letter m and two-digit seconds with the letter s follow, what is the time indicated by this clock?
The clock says 11h29
